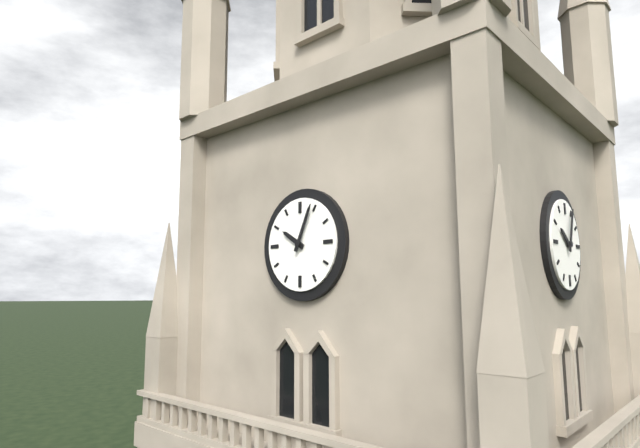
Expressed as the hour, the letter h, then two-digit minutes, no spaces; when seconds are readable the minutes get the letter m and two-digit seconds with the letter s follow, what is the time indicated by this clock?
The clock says 10h04
